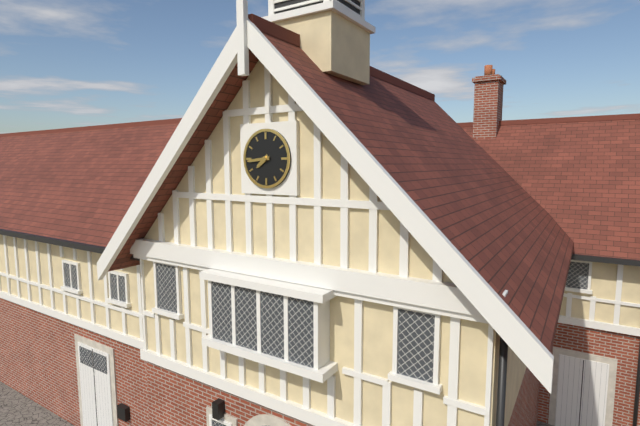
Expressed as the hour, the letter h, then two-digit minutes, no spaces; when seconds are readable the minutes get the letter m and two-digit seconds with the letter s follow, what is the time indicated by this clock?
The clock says 7h44
